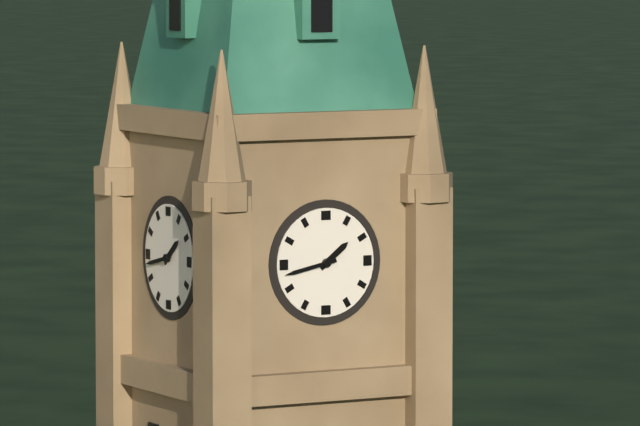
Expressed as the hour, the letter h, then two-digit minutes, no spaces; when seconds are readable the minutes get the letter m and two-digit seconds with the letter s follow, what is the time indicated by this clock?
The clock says 1h43
